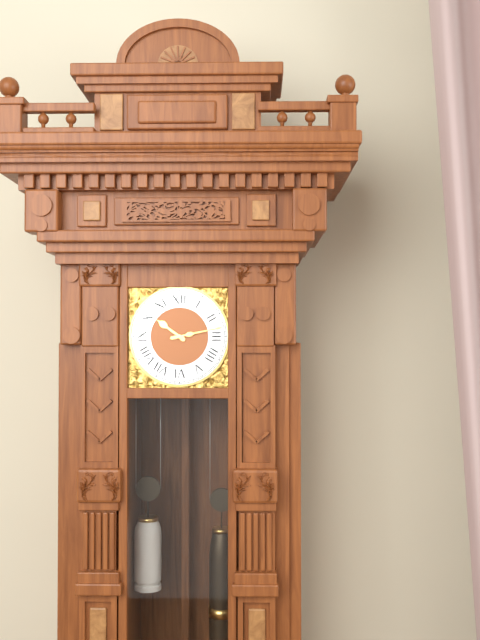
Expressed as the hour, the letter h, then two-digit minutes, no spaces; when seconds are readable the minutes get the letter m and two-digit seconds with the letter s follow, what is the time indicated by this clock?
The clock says 10h13
